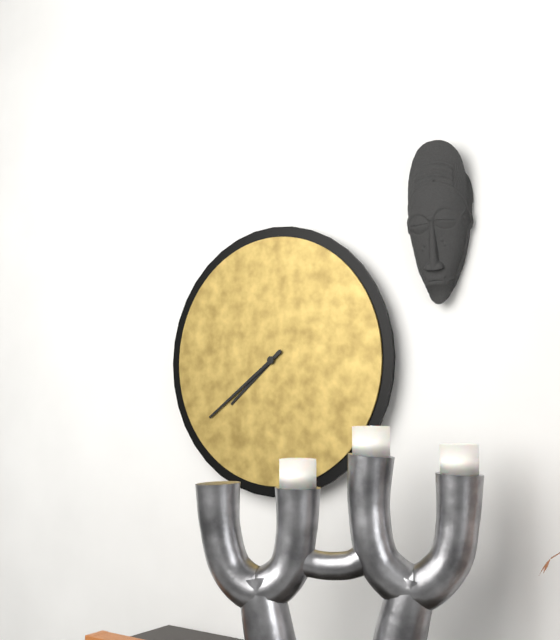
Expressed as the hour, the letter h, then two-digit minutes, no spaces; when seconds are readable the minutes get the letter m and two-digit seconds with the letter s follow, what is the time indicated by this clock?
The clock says 7h39
